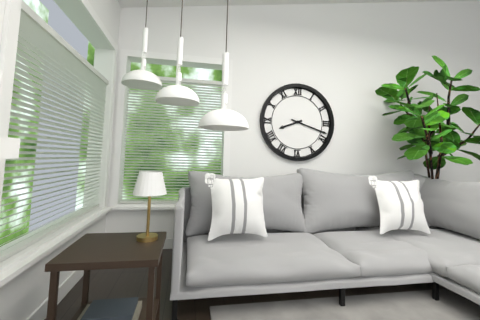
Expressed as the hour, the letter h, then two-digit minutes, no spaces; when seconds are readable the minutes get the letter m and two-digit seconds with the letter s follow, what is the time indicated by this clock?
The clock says 8h18
